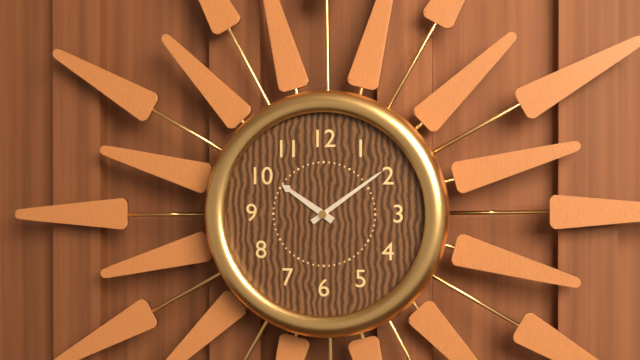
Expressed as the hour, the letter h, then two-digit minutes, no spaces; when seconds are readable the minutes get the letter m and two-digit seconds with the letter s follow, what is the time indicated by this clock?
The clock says 10h09
